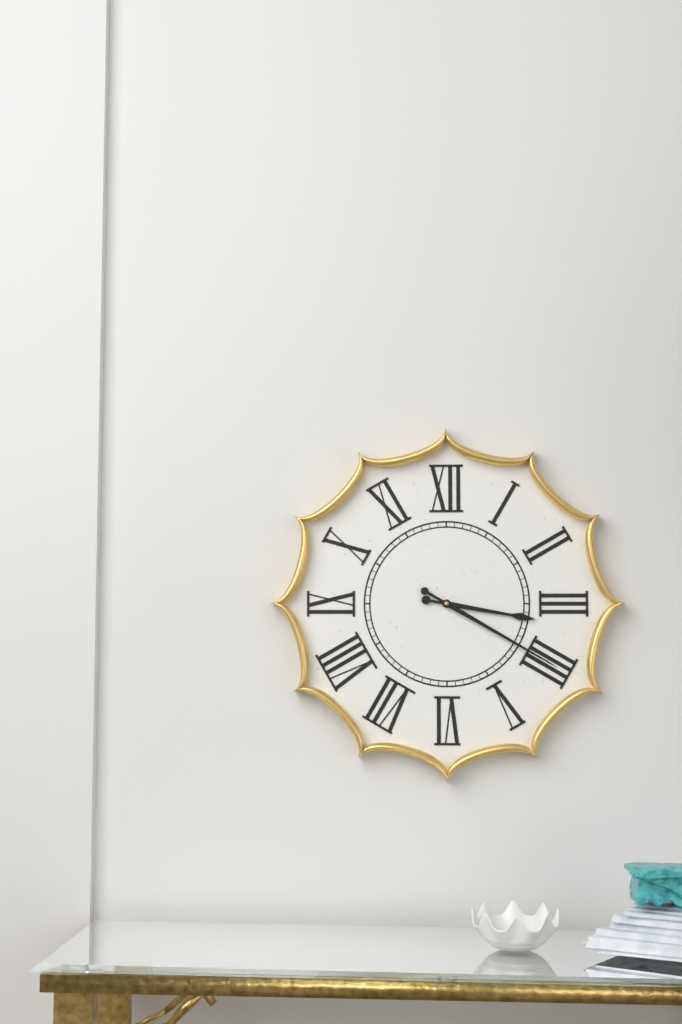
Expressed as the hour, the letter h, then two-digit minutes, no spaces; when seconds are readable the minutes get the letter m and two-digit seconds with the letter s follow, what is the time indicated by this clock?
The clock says 3h20
